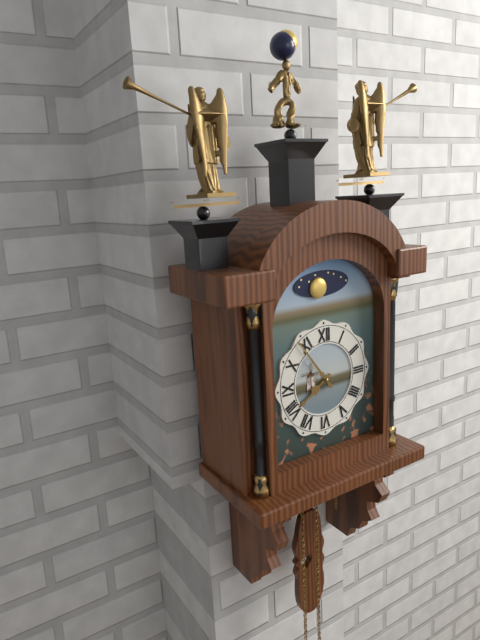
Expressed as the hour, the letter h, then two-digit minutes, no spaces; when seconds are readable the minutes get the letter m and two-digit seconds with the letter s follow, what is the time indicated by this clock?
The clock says 7h54
